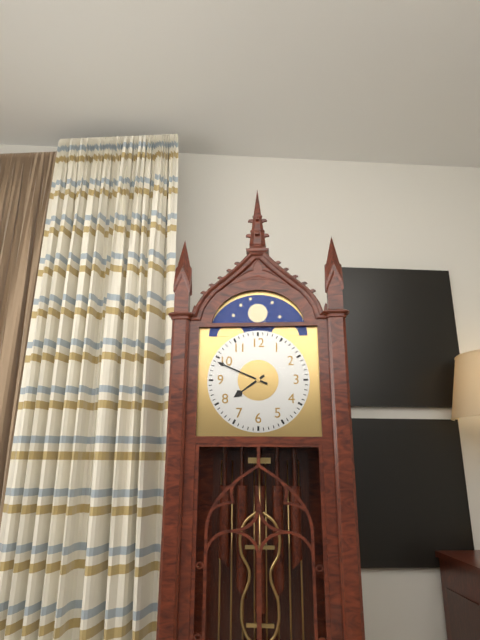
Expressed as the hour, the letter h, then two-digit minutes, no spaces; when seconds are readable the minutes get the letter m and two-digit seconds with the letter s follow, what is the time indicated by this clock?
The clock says 7h49
